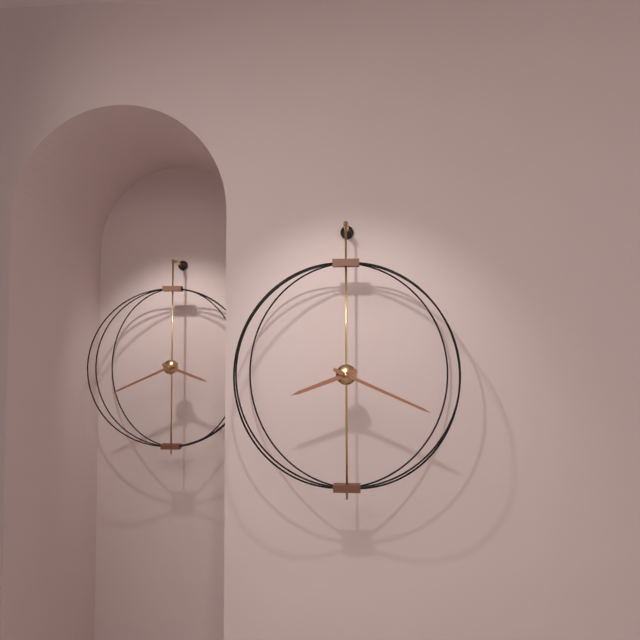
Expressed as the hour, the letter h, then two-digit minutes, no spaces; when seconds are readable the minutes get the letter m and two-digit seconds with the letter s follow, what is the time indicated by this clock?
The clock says 8h19
